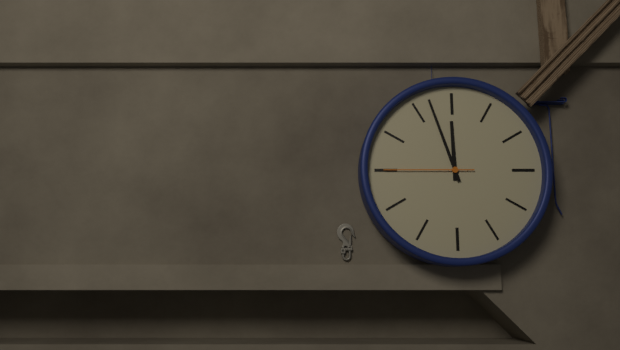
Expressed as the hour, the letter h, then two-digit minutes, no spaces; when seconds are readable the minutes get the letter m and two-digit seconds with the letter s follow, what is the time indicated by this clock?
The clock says 11h57m45s
